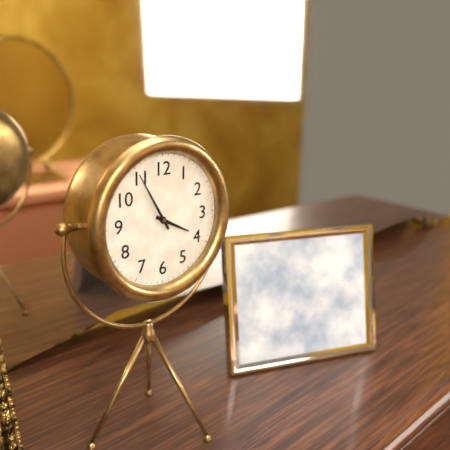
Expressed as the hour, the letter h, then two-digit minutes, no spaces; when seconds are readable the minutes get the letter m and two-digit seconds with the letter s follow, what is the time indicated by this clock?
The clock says 3h55
